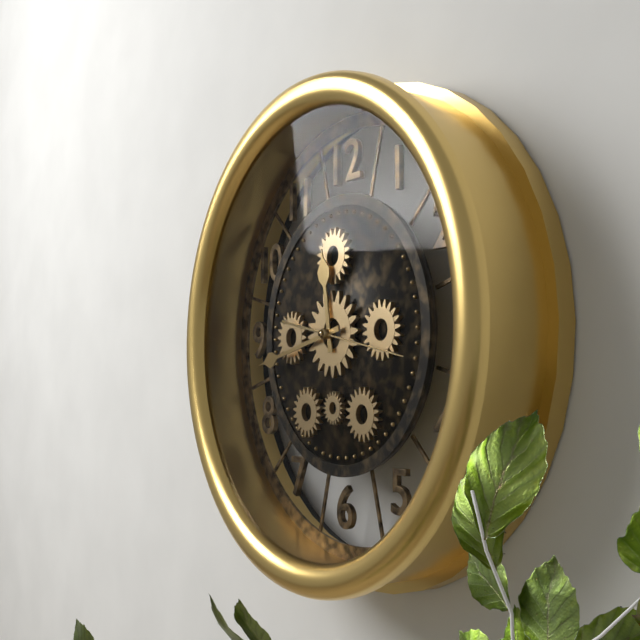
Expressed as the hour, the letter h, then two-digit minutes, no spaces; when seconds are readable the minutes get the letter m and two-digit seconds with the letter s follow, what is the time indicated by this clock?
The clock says 11h43m17s
